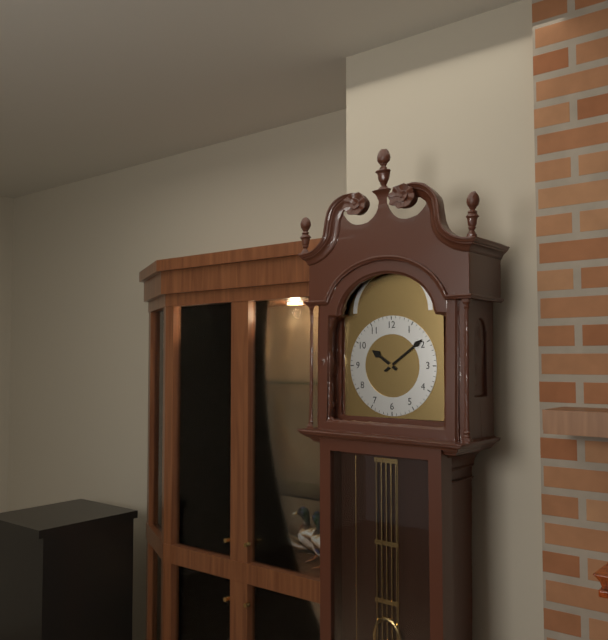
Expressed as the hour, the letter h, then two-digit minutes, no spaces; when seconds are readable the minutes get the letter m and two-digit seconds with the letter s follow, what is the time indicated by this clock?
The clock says 10h09
